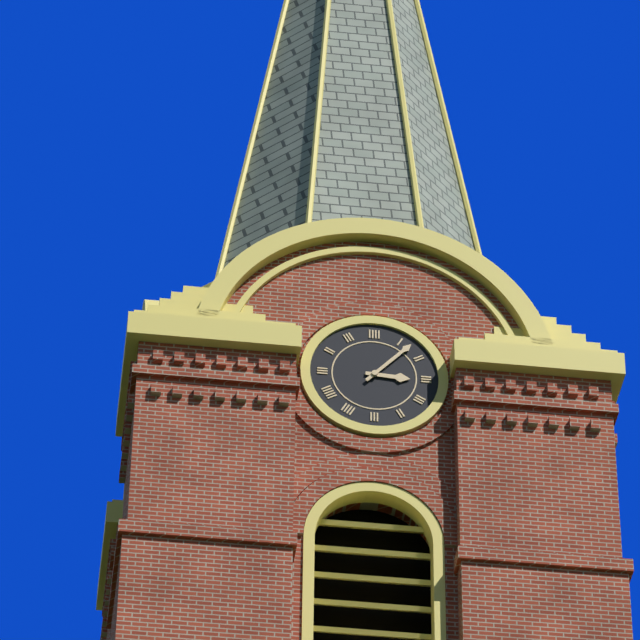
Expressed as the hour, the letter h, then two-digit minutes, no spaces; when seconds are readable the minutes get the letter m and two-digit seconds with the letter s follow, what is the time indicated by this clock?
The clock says 3h07
